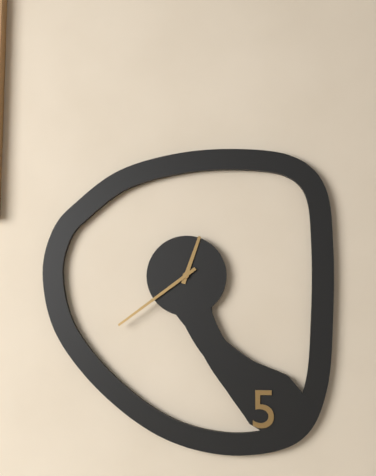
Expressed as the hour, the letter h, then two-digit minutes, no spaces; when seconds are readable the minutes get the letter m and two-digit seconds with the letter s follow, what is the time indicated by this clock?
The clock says 12h39
